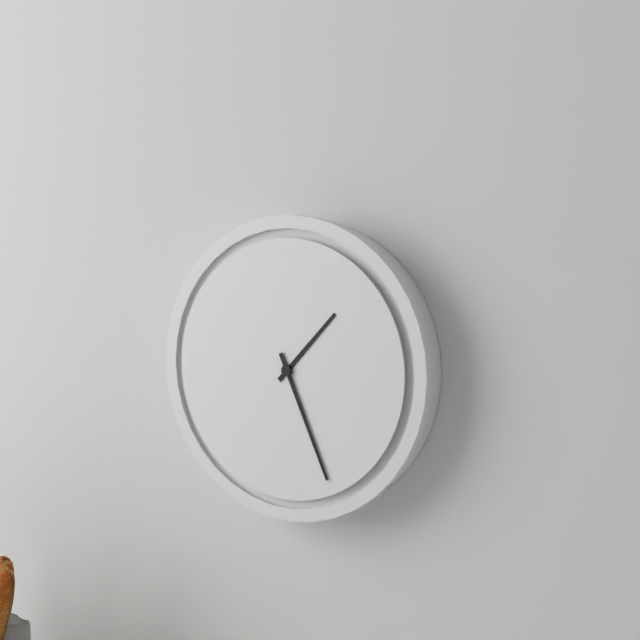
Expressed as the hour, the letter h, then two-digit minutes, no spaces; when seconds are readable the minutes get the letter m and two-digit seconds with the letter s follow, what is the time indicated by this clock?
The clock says 1h26
